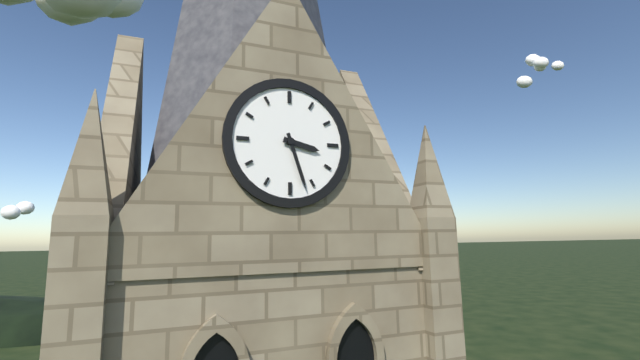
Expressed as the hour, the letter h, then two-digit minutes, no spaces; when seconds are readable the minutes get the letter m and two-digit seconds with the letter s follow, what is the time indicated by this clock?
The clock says 3h27
